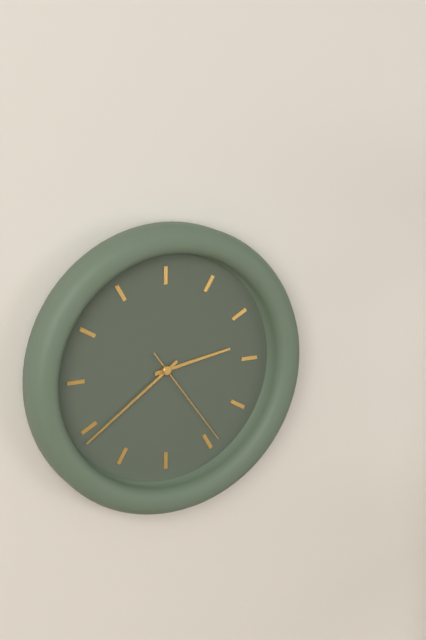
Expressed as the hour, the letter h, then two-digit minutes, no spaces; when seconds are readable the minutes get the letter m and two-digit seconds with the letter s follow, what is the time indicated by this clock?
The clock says 2h39m24s
